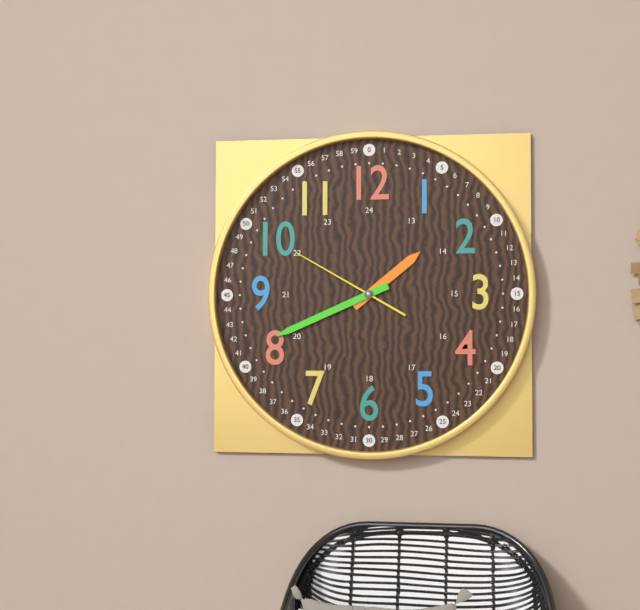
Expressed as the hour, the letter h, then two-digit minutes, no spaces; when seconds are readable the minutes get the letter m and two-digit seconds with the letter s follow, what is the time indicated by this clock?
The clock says 1h41m50s
